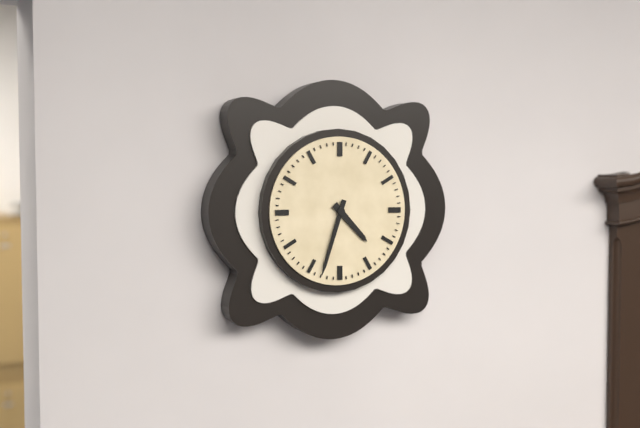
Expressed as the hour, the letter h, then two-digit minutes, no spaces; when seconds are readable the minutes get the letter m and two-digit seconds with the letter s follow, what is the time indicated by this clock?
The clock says 4h33
